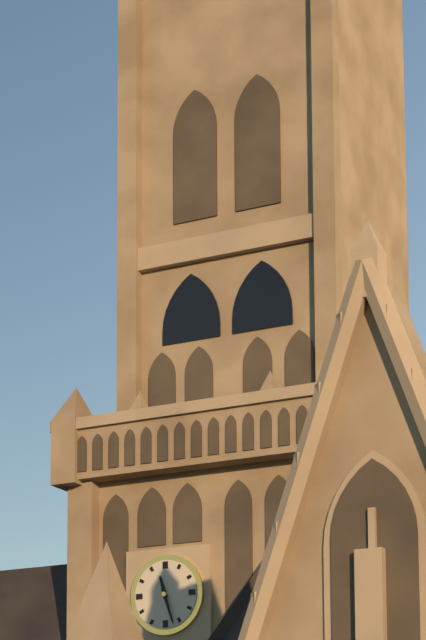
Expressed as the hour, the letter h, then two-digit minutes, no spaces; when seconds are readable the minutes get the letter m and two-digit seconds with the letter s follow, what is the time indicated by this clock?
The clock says 11h27
